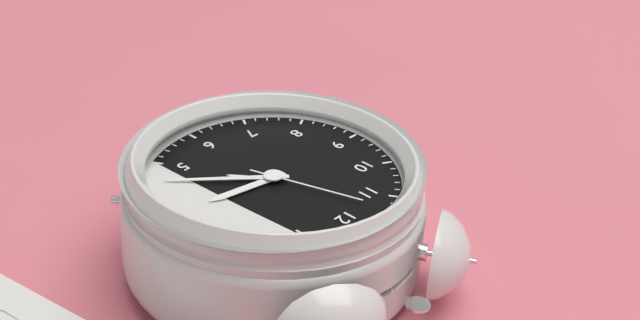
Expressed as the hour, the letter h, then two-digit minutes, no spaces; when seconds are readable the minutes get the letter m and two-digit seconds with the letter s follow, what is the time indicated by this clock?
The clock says 3h22m57s
